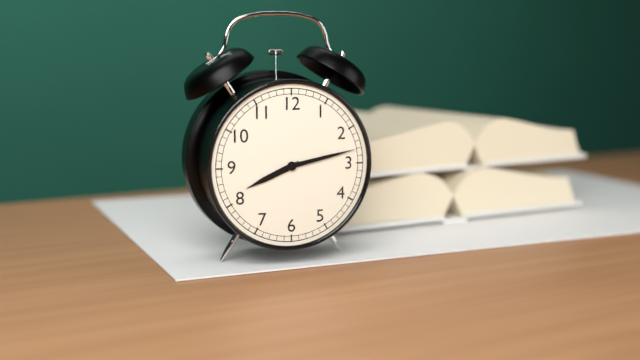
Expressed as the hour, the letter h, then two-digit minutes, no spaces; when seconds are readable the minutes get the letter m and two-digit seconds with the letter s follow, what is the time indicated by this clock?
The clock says 8h13
